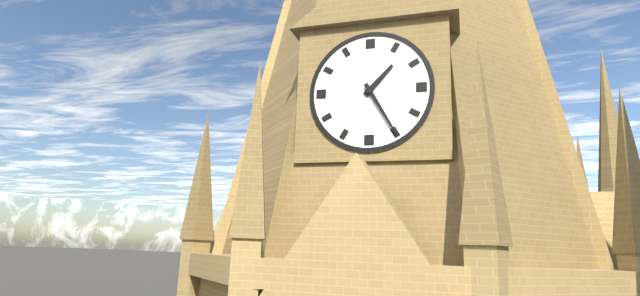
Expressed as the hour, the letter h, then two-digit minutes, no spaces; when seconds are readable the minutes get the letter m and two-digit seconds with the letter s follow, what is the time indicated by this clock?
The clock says 1h25
